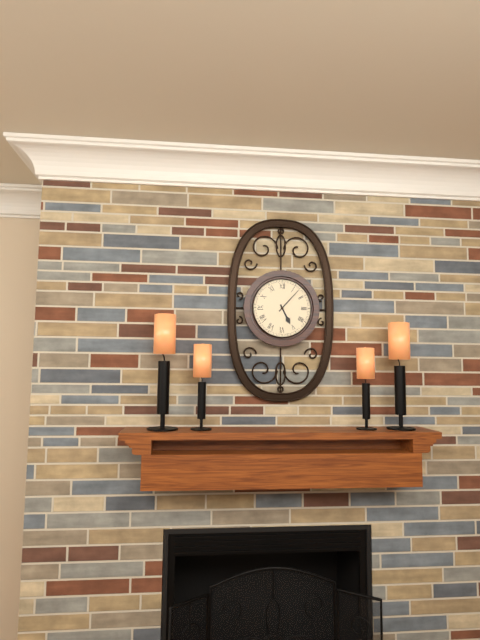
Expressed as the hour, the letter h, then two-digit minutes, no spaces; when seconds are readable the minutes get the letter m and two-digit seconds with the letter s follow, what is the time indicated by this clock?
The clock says 5h07
